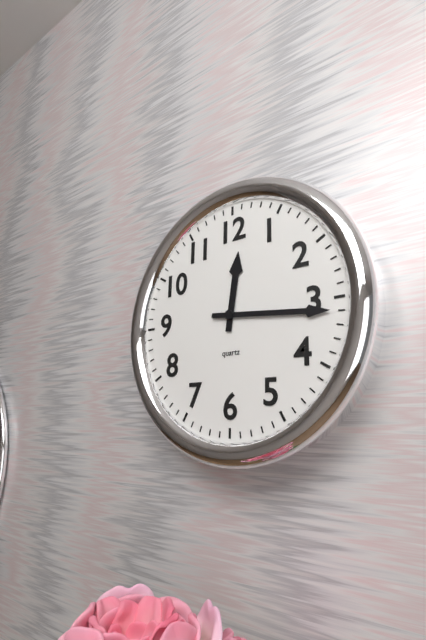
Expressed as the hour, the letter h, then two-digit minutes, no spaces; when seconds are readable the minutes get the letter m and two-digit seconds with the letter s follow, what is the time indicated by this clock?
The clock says 12h16
